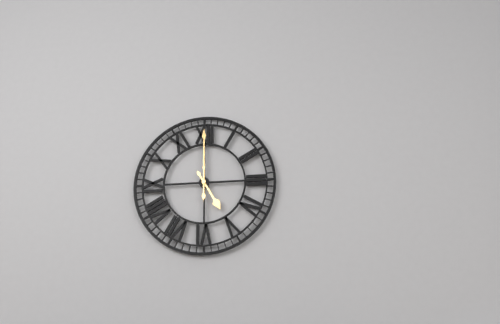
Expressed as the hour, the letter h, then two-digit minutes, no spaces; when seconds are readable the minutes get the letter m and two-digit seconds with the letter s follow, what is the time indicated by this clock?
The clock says 5h00
